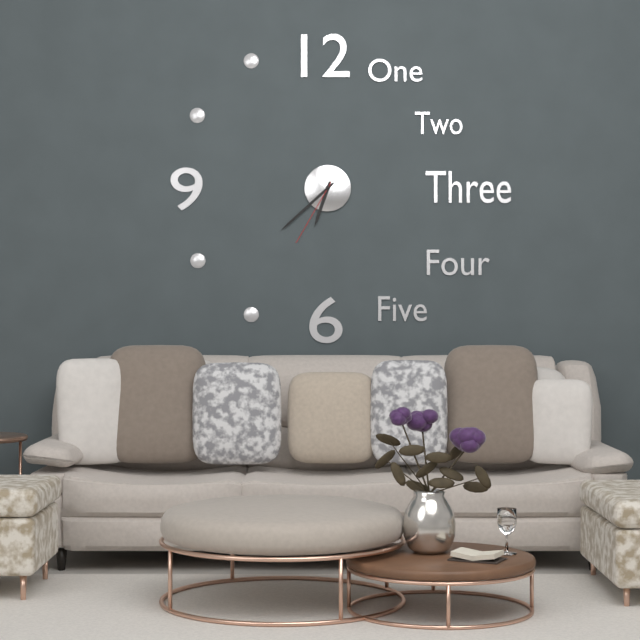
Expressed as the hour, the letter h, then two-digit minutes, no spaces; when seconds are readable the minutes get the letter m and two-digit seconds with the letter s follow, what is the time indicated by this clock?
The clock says 6h38m35s
